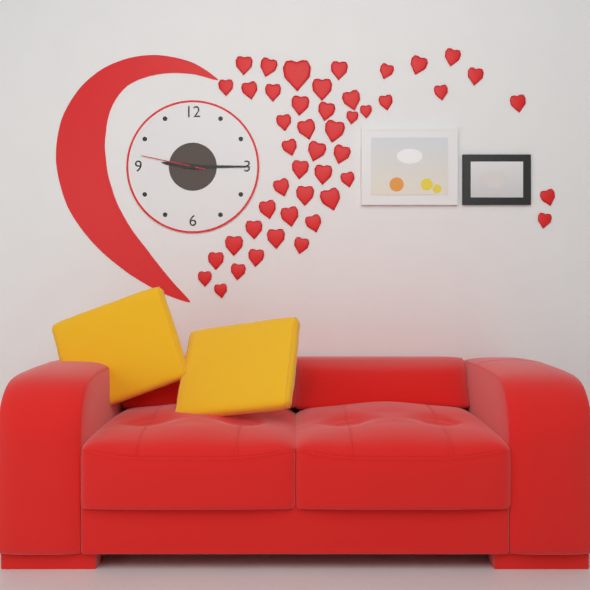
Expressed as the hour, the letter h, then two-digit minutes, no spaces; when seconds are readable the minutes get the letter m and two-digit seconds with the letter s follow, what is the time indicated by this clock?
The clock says 9h15m47s
